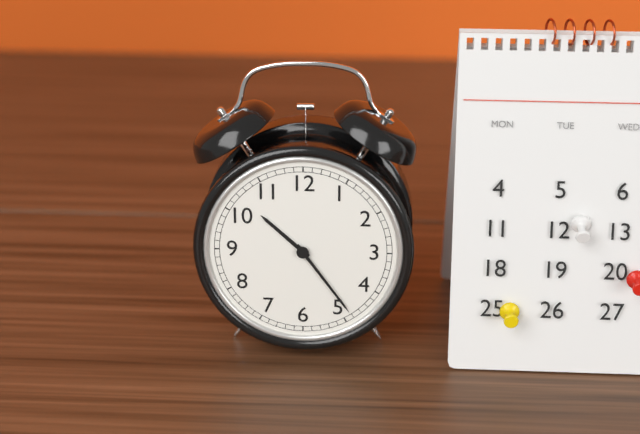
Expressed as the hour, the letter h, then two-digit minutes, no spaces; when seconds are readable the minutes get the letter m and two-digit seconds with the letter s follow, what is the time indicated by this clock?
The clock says 10h24
